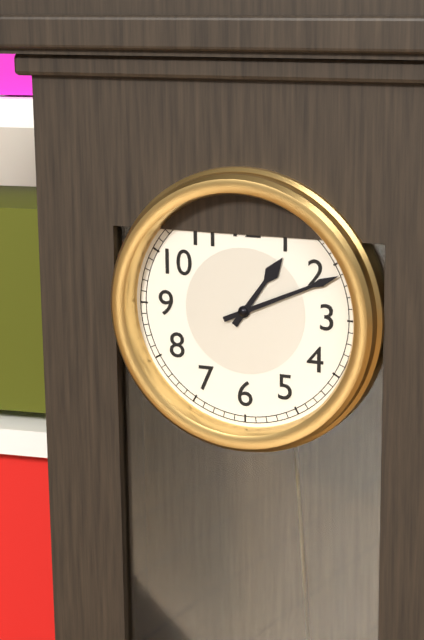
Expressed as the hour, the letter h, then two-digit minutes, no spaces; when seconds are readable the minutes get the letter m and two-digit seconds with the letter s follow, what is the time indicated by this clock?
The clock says 1h11
